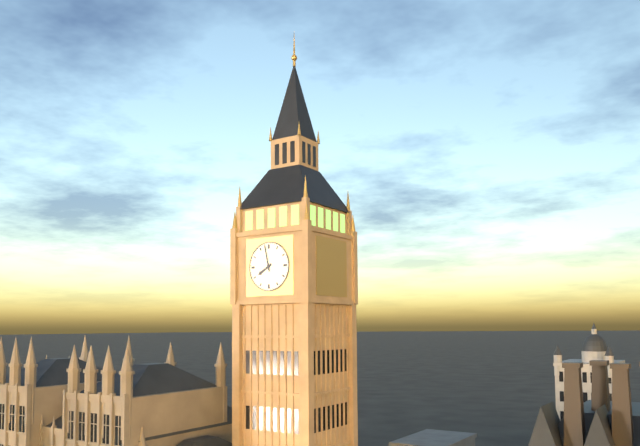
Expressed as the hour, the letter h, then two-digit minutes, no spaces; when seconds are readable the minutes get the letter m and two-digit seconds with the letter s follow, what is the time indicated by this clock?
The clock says 7h58
